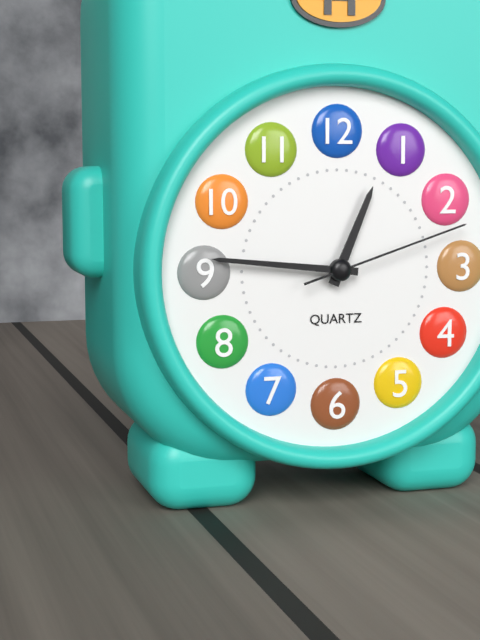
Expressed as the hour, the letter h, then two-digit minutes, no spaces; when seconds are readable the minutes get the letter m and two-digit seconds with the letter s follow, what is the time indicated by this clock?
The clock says 12h46m12s
